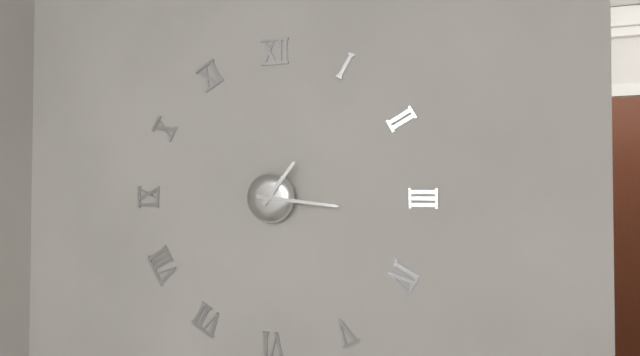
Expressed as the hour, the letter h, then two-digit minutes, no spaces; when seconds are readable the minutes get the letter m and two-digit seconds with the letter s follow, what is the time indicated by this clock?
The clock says 1h16
